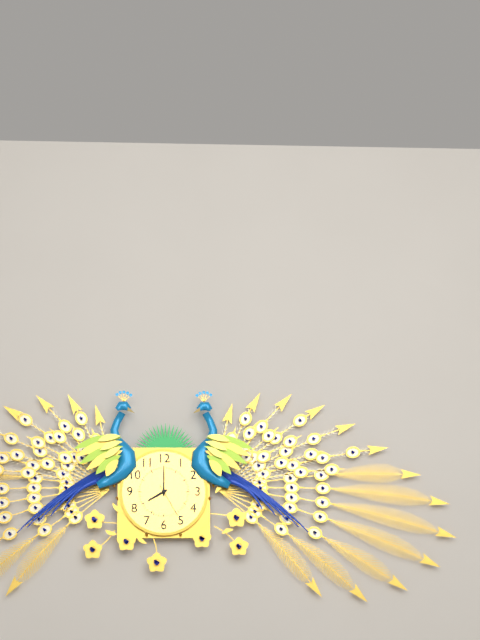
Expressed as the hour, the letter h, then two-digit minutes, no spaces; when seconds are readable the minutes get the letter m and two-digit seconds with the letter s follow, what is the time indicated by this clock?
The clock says 8h00
